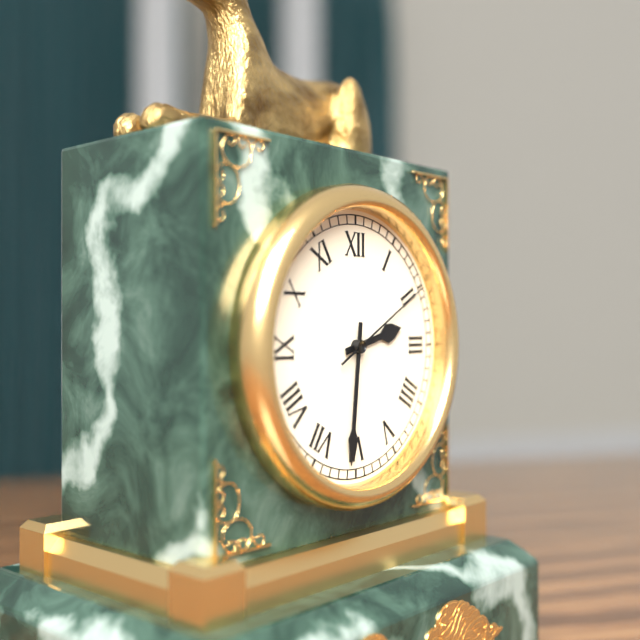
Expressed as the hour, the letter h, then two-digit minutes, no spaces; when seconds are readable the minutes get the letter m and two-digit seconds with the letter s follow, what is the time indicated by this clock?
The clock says 2h31m10s
